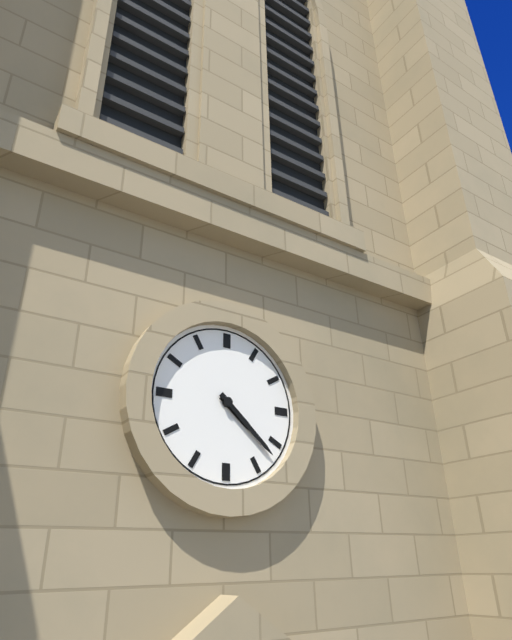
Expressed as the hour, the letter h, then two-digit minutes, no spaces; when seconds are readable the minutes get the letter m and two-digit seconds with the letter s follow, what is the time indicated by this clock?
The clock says 4h22
